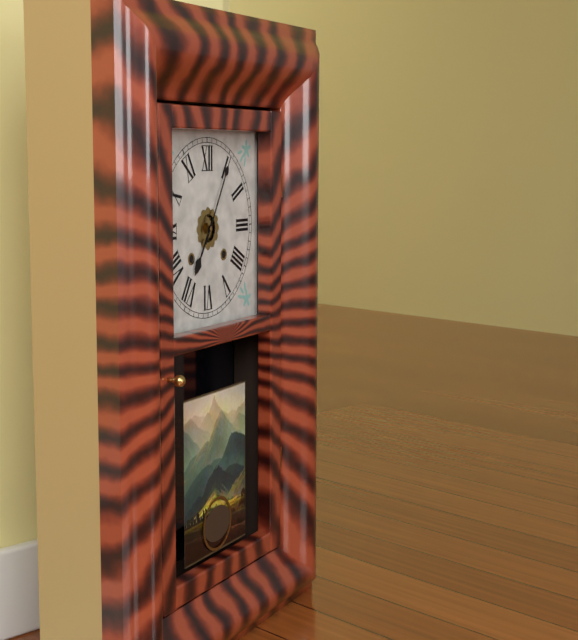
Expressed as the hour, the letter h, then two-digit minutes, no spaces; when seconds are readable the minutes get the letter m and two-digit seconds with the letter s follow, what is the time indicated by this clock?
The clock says 7h05
